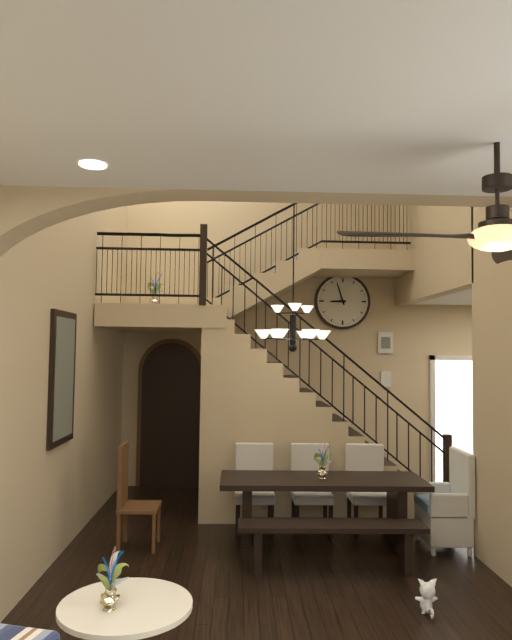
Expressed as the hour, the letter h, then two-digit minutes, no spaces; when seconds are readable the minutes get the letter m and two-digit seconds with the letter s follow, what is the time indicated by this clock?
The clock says 8h57
